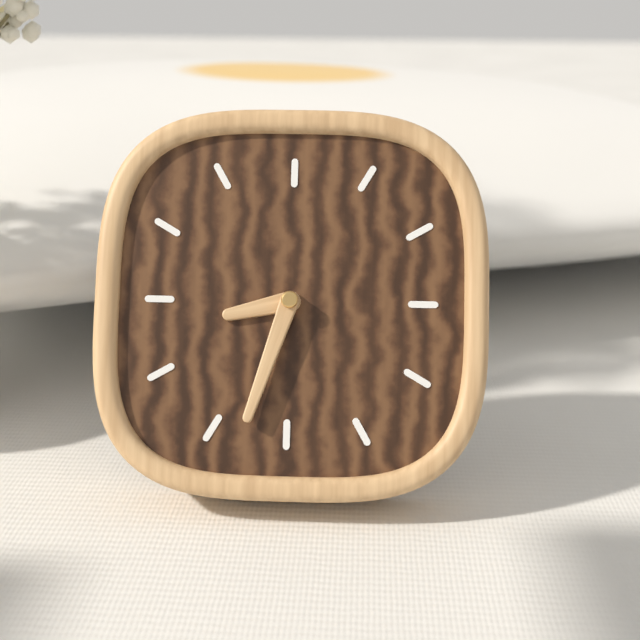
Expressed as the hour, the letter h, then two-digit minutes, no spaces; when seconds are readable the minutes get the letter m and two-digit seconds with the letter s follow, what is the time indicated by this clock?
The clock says 8h33
